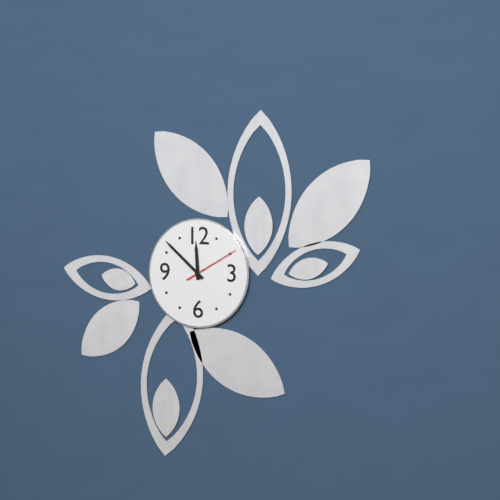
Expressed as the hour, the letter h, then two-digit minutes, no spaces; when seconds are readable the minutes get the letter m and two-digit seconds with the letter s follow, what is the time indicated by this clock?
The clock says 11h52m10s
